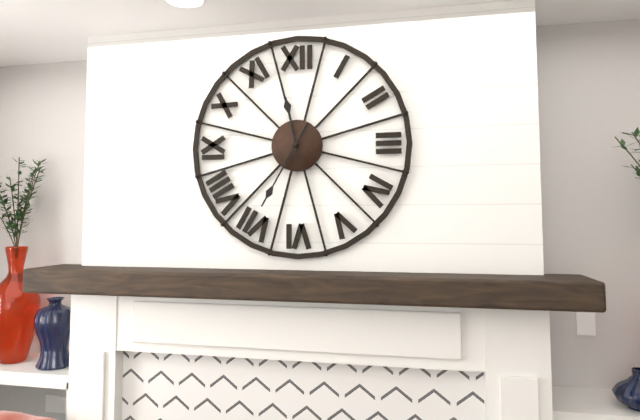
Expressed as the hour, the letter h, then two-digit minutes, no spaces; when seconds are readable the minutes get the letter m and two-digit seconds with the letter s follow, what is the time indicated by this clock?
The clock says 11h35
